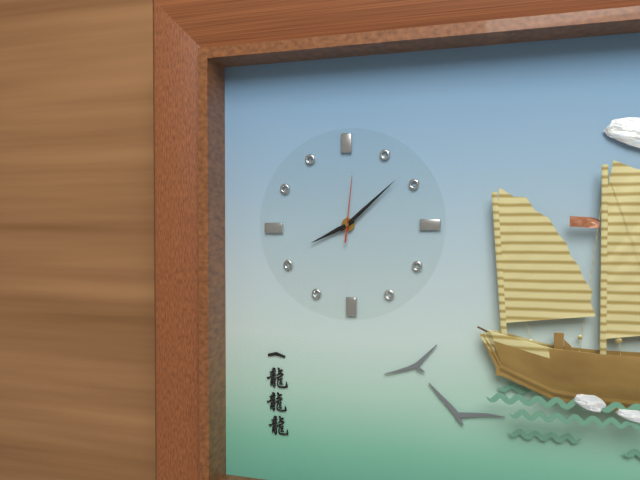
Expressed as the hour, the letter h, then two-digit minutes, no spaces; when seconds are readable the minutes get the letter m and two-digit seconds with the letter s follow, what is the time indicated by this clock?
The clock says 8h08m01s
